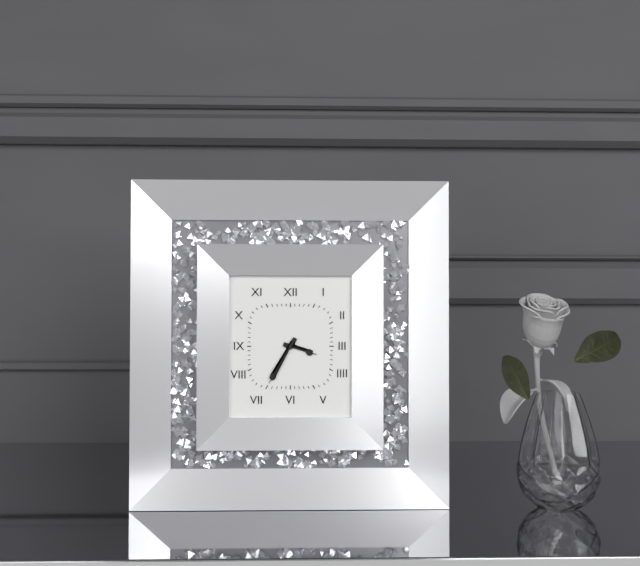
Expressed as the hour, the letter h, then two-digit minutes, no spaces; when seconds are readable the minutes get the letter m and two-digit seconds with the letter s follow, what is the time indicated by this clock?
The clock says 3h35
